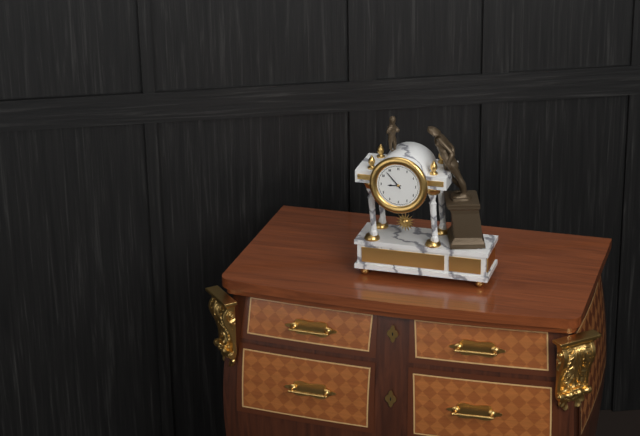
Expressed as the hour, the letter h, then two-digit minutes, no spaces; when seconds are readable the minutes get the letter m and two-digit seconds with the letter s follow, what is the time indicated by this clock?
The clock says 8h53
